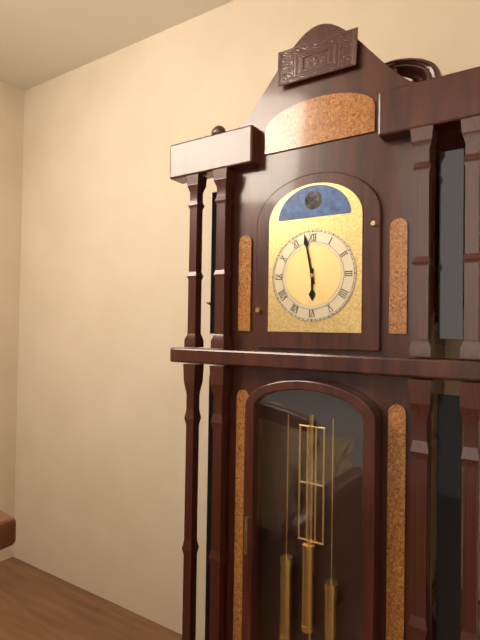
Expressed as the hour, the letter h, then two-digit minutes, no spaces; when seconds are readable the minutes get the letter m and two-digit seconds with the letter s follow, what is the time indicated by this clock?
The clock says 5h58
